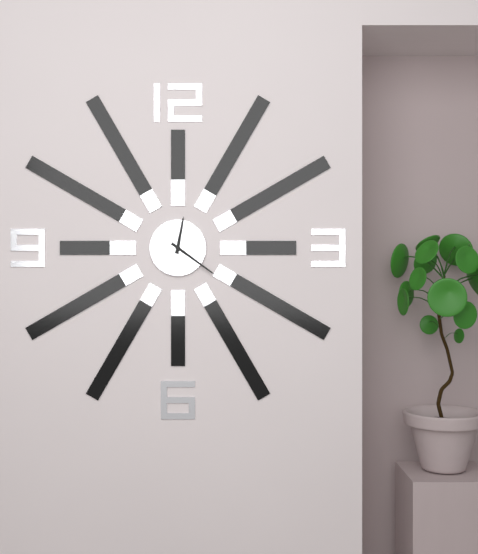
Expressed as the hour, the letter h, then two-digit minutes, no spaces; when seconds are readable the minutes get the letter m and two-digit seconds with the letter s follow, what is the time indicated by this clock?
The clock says 12h21
